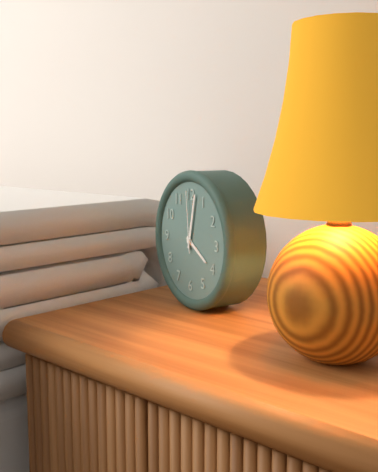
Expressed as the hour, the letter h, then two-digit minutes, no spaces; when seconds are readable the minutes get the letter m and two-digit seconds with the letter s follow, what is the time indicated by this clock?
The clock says 4h02m59s
